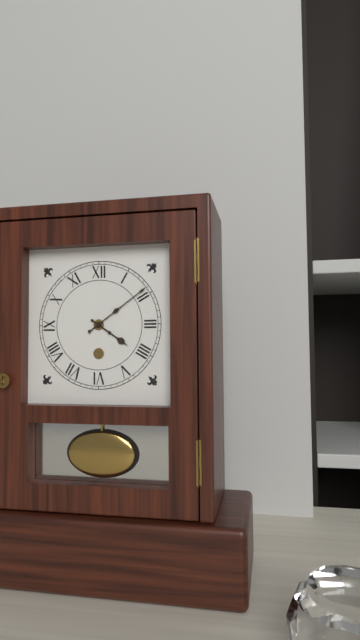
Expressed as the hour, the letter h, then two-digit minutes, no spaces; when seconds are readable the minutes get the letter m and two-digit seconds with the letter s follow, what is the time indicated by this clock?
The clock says 4h09
